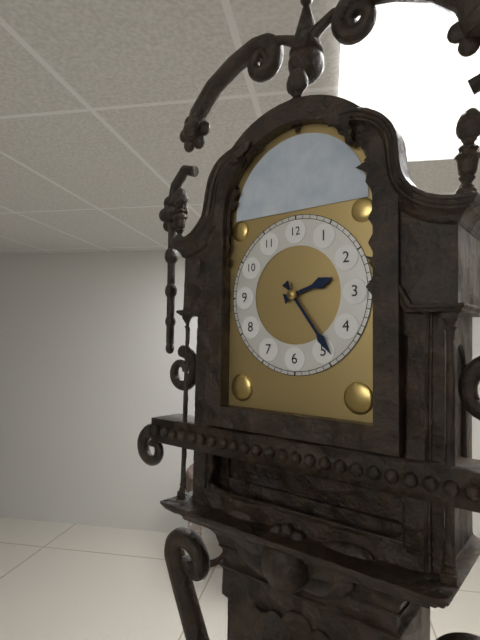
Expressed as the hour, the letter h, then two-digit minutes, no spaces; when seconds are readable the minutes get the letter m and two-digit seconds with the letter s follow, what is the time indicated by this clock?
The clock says 2h24
